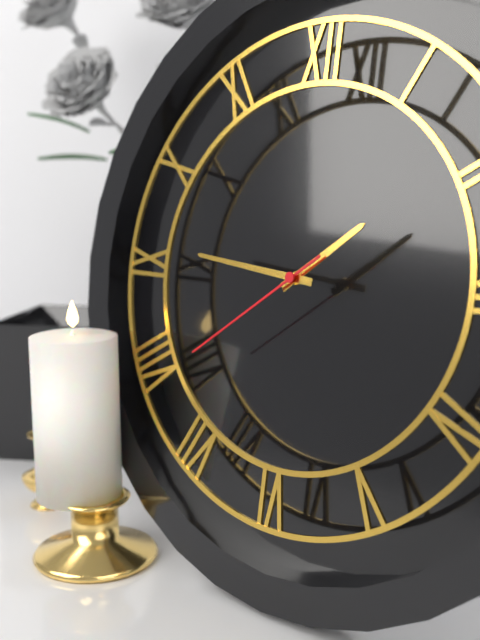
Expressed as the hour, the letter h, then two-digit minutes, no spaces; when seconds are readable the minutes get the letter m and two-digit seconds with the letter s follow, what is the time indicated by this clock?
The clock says 1h46m39s
